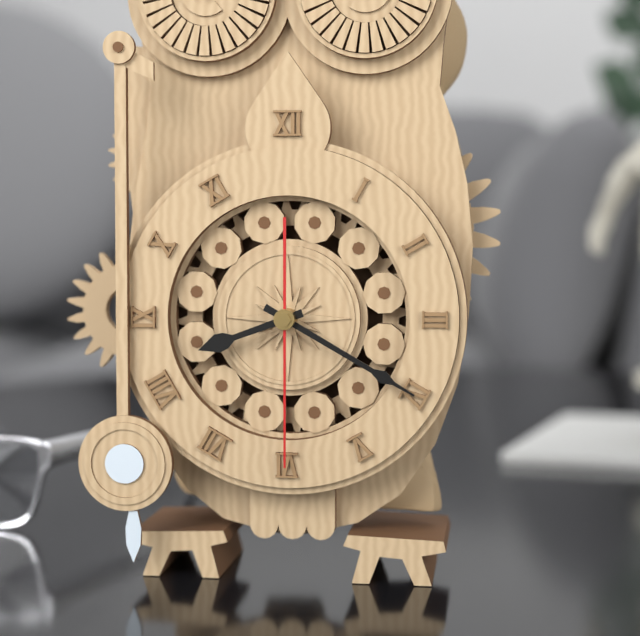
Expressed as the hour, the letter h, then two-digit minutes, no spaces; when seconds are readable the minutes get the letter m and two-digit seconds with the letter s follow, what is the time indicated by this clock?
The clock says 8h20m30s
